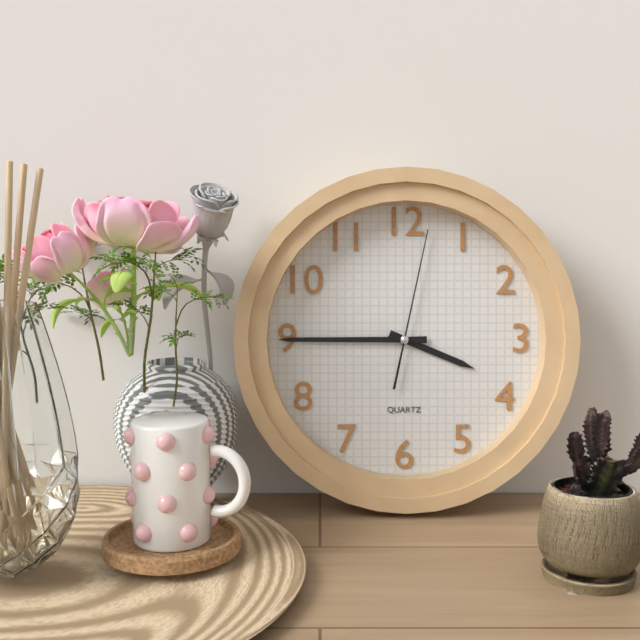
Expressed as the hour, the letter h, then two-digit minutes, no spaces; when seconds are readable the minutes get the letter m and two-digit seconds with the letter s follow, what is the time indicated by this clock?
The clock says 3h45m02s
